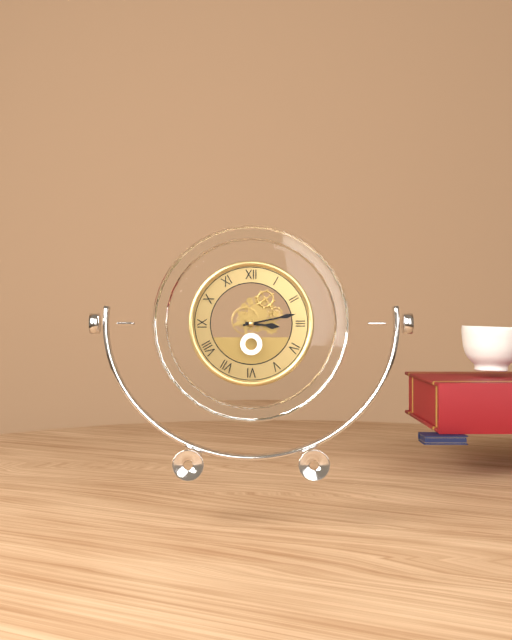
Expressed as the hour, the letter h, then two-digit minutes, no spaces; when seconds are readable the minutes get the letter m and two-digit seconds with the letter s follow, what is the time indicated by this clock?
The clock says 3h13
